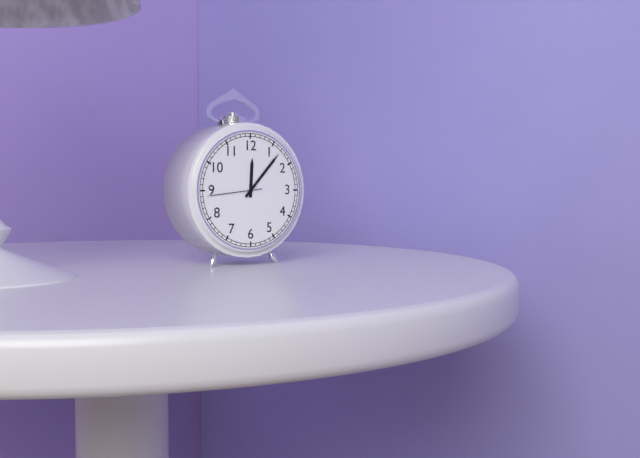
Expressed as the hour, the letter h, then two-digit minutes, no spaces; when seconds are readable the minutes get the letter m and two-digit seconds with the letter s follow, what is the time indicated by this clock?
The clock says 12h07m44s
